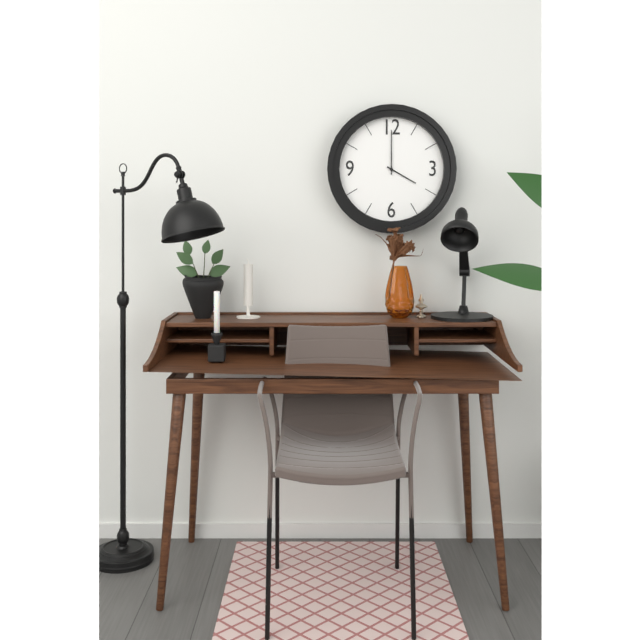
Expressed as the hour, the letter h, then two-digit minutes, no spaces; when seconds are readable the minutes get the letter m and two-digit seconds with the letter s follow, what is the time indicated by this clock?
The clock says 4h00
